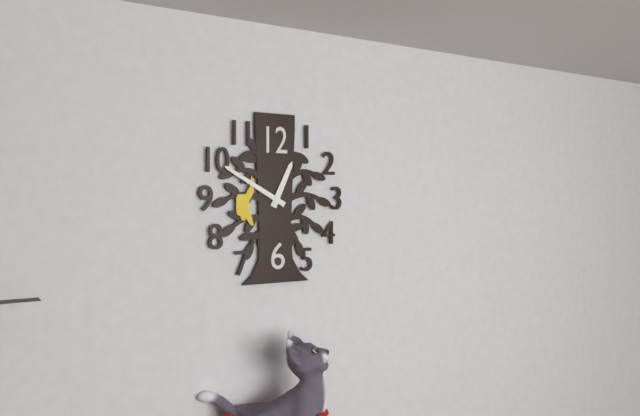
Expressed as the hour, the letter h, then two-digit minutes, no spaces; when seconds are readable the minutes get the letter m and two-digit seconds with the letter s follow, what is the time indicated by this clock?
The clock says 12h50
